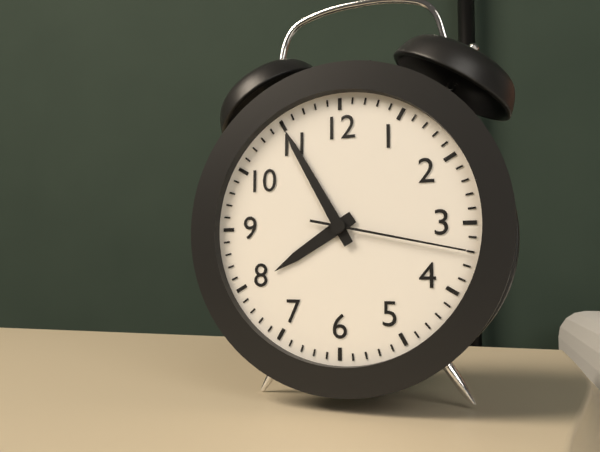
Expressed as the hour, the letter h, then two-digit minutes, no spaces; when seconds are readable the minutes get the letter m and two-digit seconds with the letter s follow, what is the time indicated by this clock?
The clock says 7h55m17s
